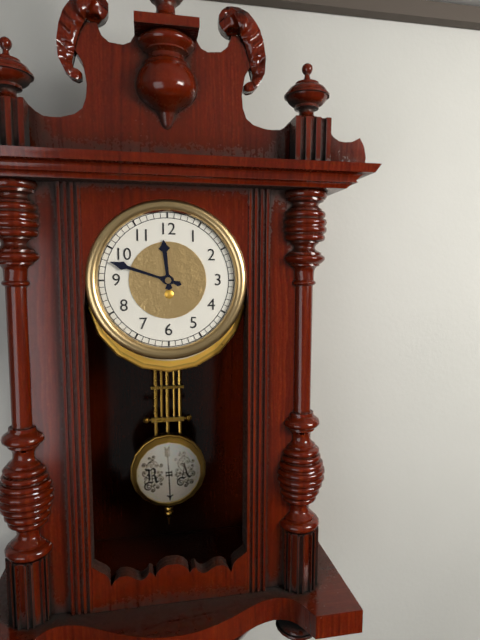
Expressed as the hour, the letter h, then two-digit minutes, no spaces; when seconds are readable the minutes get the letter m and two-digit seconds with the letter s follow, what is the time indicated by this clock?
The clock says 11h48
